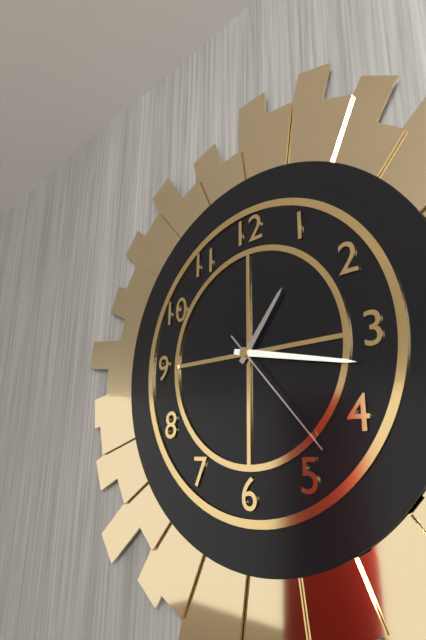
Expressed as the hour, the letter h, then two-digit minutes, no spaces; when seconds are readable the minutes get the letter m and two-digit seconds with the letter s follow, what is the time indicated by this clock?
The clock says 1h17m23s
